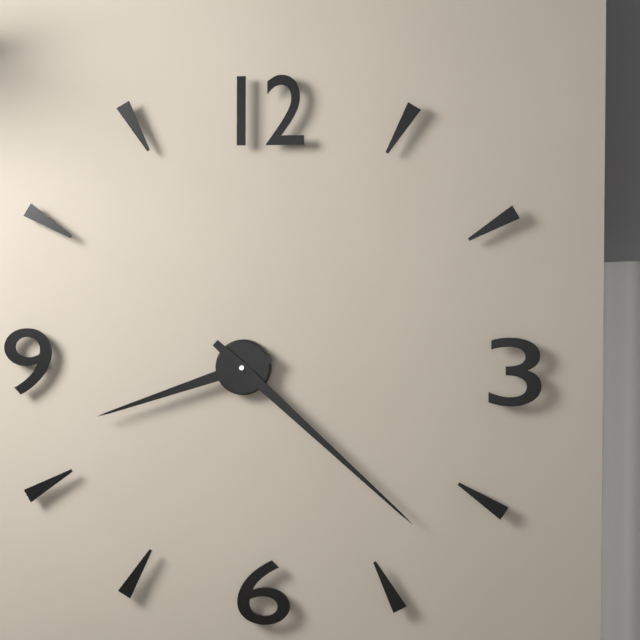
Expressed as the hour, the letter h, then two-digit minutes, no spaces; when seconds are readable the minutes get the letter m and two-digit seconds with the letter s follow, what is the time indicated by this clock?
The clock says 8h22
